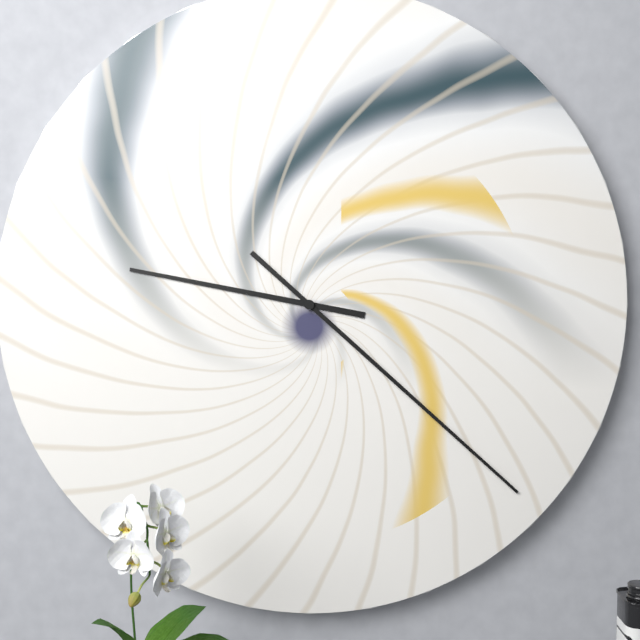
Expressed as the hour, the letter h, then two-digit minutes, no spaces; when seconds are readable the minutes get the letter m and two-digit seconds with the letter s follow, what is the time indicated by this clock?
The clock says 9h22
